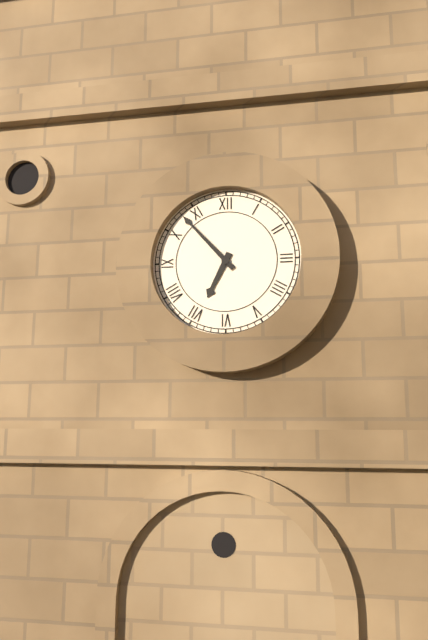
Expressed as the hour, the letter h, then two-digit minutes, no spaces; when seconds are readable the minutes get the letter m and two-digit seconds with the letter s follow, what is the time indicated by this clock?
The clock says 6h53
